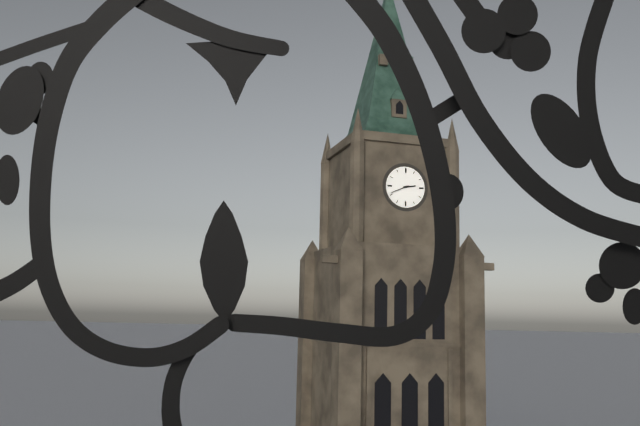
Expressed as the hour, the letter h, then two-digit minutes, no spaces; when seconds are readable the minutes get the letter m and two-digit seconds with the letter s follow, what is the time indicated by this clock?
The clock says 2h41
